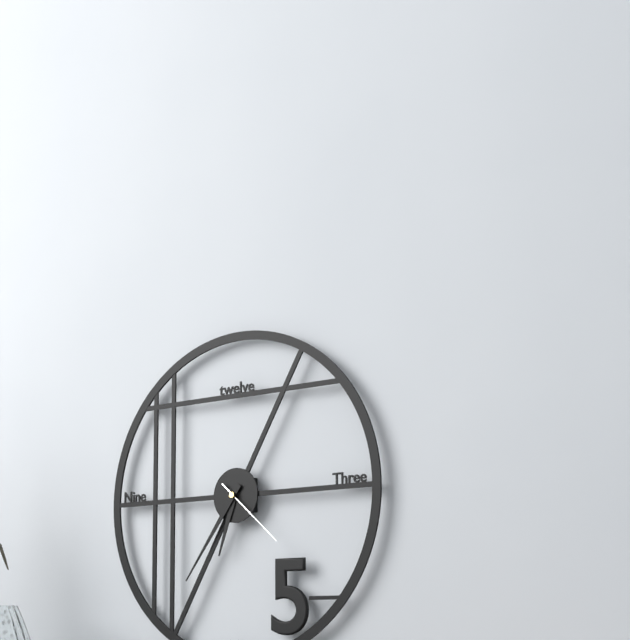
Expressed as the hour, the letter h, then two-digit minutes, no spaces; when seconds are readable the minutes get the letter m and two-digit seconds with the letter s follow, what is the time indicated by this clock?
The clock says 6h36m22s
